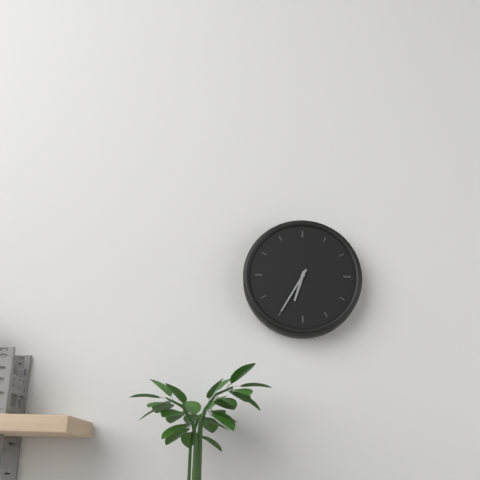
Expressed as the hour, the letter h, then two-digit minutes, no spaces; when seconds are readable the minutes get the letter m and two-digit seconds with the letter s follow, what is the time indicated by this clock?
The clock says 6h35
